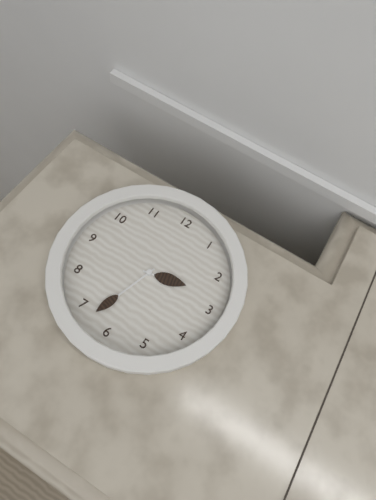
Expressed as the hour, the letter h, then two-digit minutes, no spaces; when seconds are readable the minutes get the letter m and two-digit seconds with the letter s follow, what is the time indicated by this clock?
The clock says 2h33
